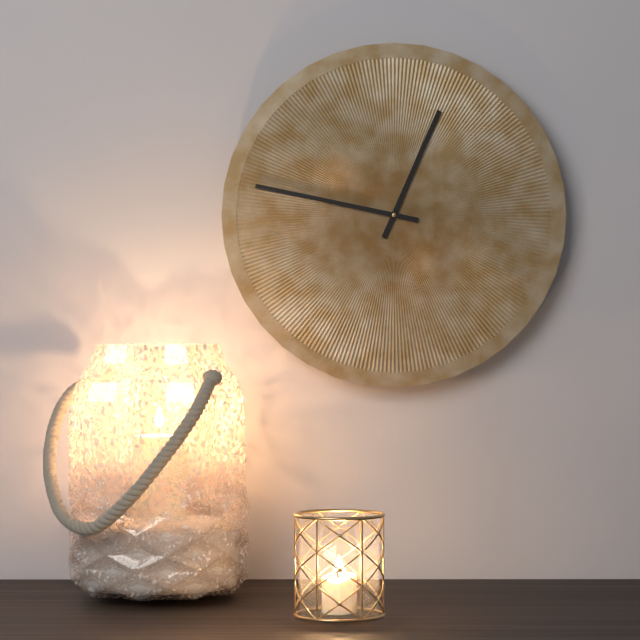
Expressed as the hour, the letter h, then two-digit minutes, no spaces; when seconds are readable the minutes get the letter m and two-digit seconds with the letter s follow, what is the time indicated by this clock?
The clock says 12h47
